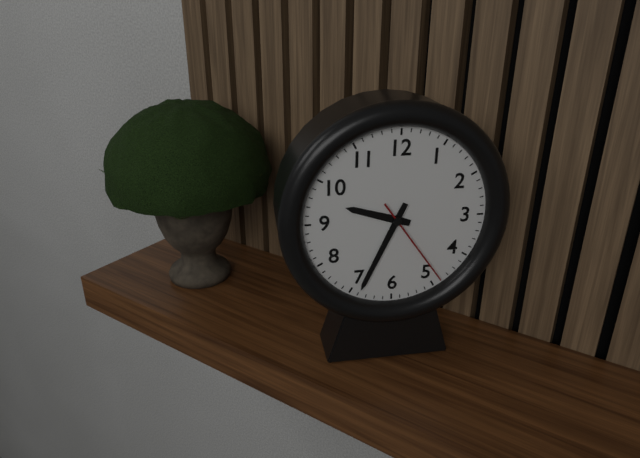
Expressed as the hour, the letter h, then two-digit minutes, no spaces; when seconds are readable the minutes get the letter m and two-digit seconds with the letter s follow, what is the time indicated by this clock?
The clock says 9h34m24s
